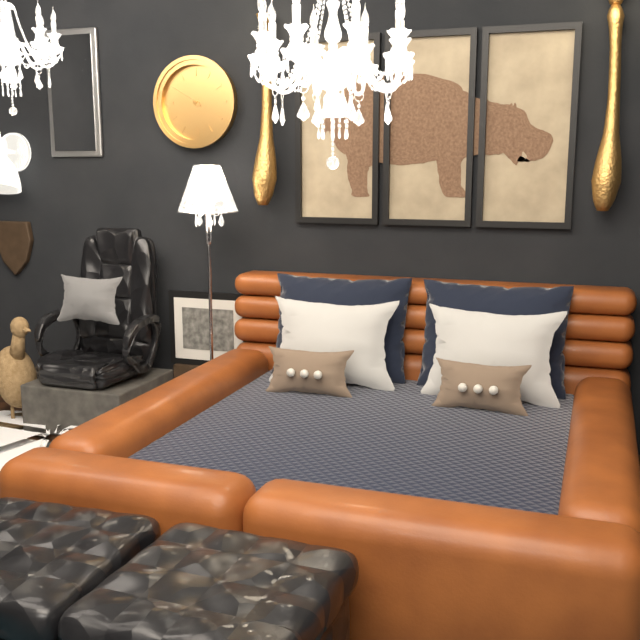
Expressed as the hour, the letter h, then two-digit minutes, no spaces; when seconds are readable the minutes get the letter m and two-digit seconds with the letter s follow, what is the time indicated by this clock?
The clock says 9h50
